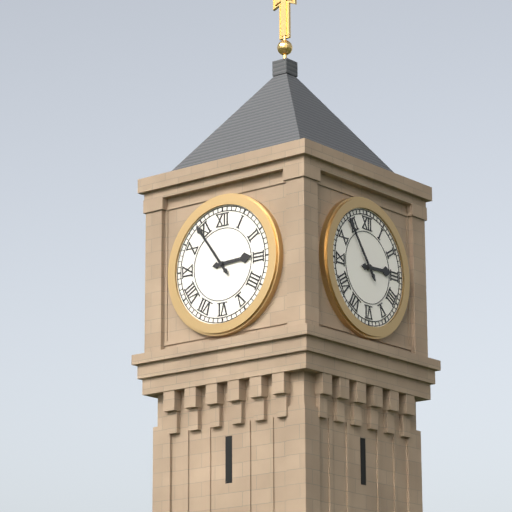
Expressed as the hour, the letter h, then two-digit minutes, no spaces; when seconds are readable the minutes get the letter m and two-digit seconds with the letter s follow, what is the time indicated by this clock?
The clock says 2h54
